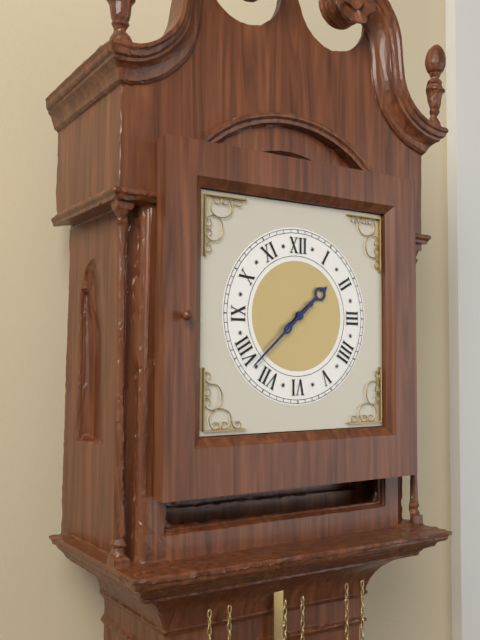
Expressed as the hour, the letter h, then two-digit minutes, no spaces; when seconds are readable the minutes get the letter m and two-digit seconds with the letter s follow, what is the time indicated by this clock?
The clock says 1h38
